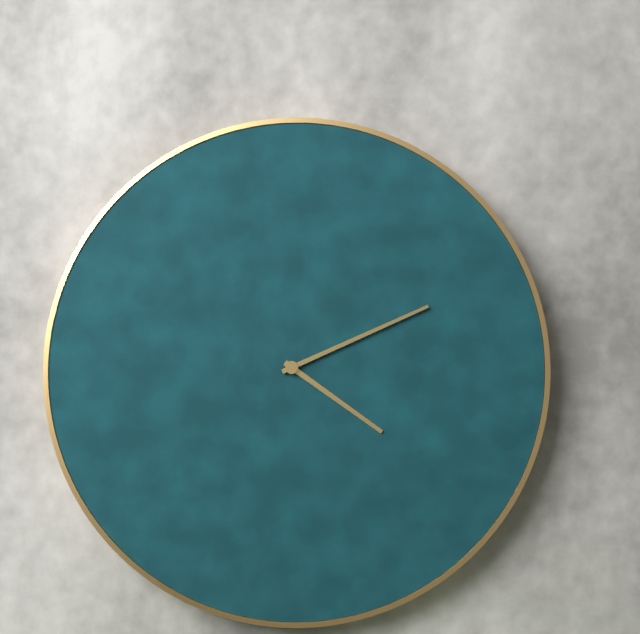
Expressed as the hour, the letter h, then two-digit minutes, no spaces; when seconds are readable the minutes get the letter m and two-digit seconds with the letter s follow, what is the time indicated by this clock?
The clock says 4h11
